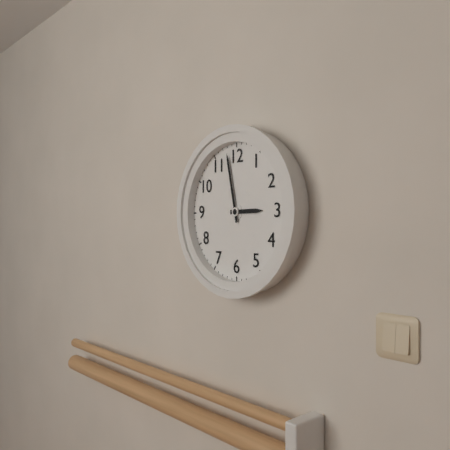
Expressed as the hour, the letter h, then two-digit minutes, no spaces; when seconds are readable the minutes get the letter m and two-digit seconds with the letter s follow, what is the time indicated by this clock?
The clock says 2h58
